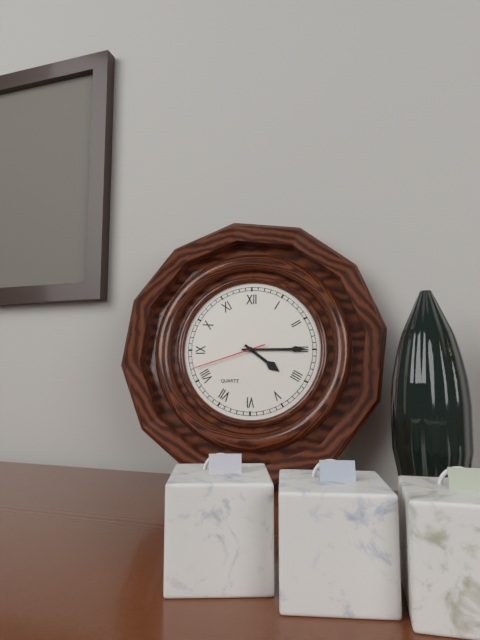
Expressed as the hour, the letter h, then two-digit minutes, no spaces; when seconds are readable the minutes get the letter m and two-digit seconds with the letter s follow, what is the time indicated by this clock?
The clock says 4h15m42s
